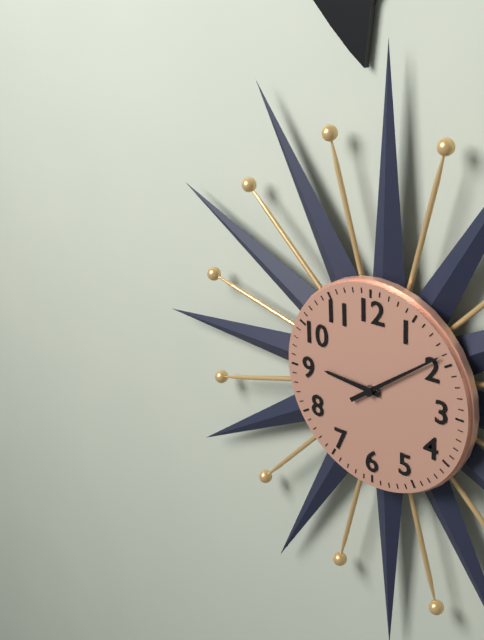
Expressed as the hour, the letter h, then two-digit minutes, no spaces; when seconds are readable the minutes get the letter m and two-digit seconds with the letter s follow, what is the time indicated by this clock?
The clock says 9h09
